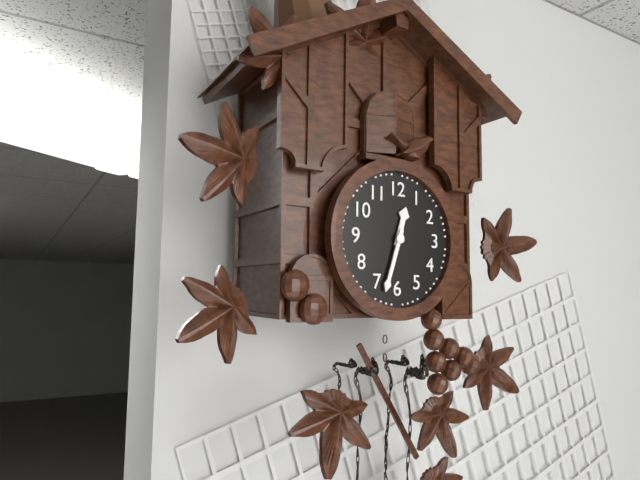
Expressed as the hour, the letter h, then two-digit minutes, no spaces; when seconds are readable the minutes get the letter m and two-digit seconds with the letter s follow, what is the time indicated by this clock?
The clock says 12h33
